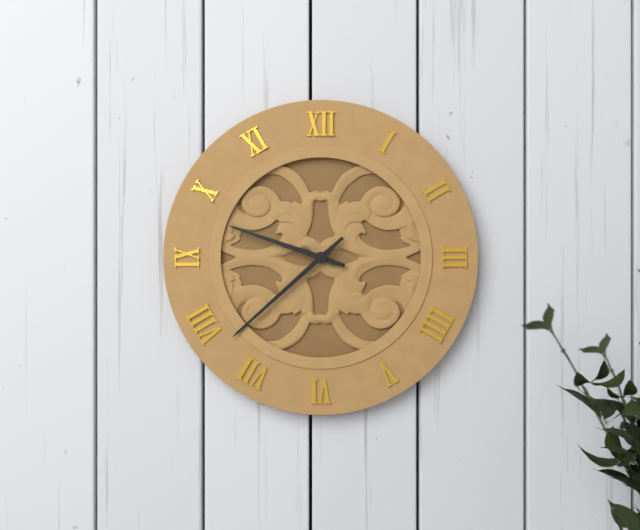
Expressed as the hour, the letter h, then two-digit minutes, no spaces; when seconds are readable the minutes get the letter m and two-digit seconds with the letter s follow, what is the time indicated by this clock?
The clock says 9h38
